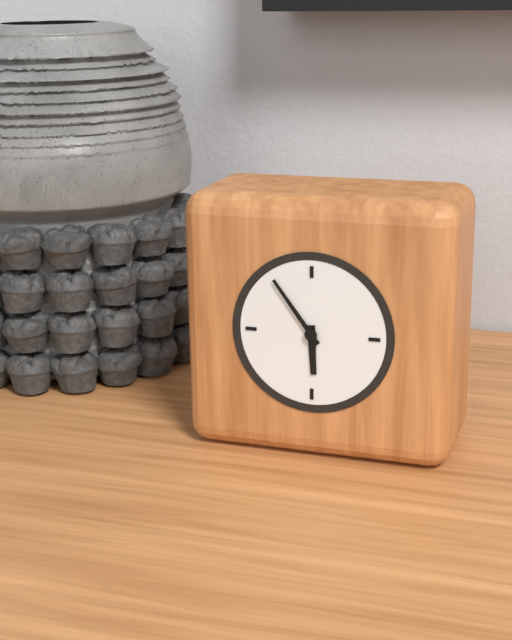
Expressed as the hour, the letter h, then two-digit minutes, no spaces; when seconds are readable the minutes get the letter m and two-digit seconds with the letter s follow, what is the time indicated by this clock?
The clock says 5h54
